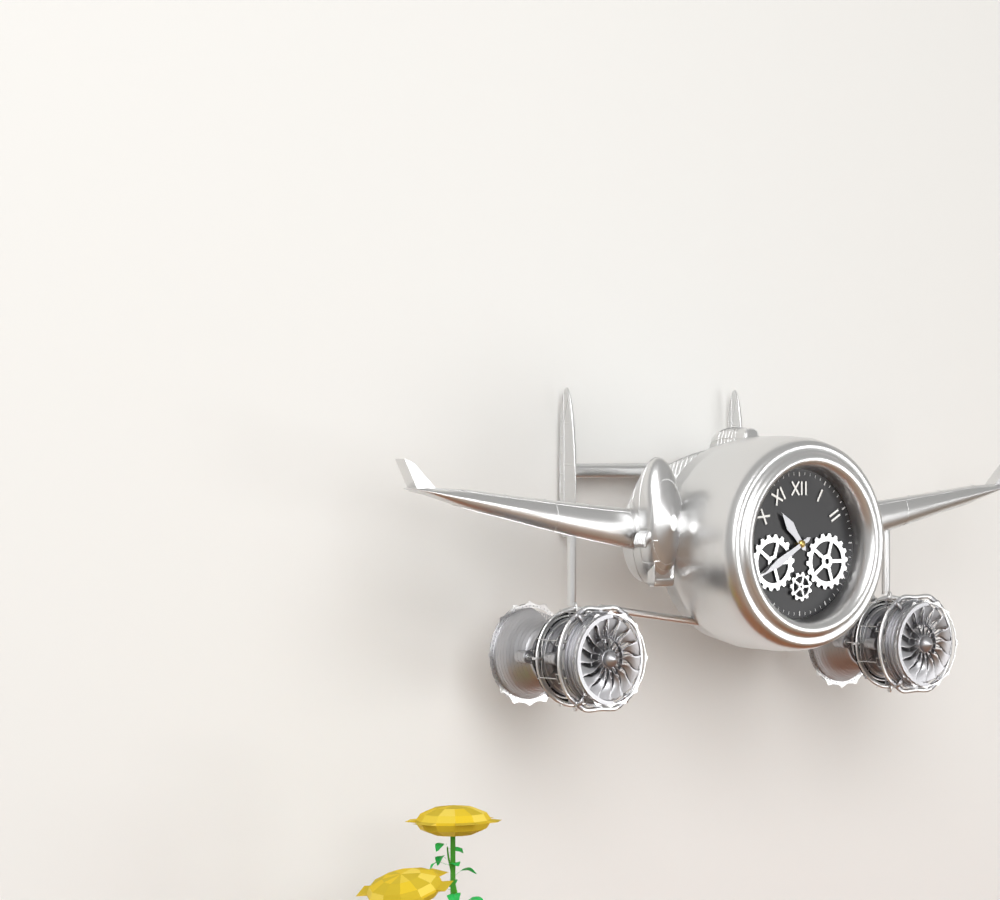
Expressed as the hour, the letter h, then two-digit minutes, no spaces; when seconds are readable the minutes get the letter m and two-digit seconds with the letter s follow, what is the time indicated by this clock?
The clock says 10h40
